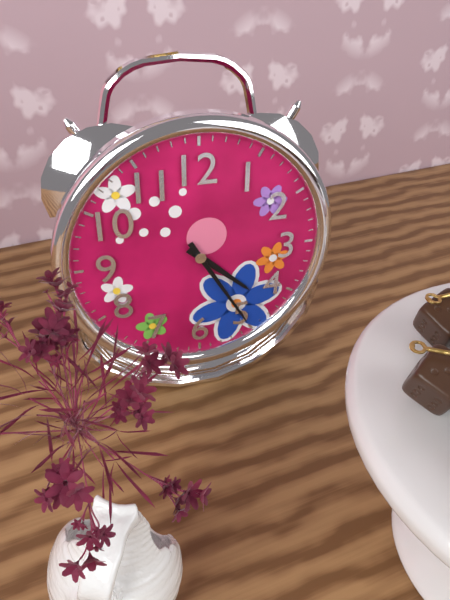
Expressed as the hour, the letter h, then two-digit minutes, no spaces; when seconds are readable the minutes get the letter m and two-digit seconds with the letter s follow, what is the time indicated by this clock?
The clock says 4h25
